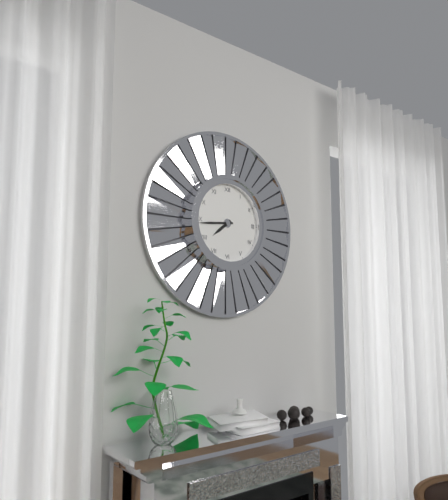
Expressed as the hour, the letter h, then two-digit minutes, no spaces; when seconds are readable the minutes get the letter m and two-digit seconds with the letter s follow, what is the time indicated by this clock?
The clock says 7h44
